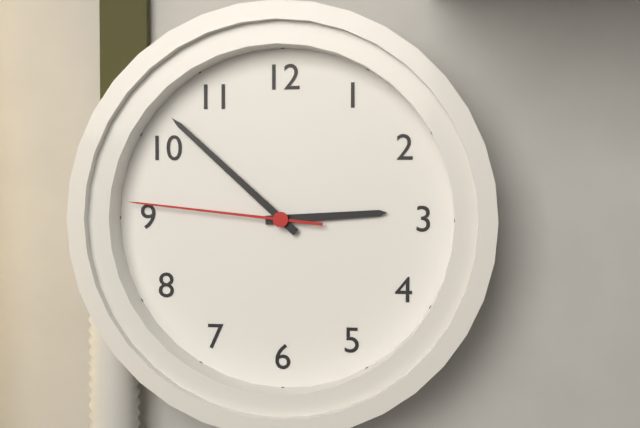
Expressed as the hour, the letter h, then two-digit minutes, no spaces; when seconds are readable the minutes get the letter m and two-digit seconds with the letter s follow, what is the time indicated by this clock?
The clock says 2h52m46s
